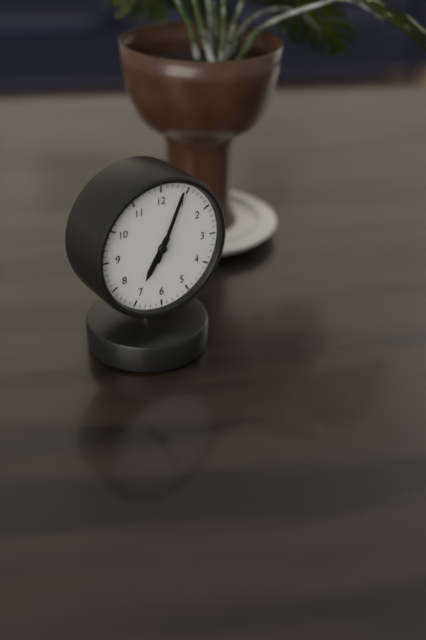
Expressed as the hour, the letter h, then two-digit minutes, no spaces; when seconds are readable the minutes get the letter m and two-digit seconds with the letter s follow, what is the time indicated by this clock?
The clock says 7h04
